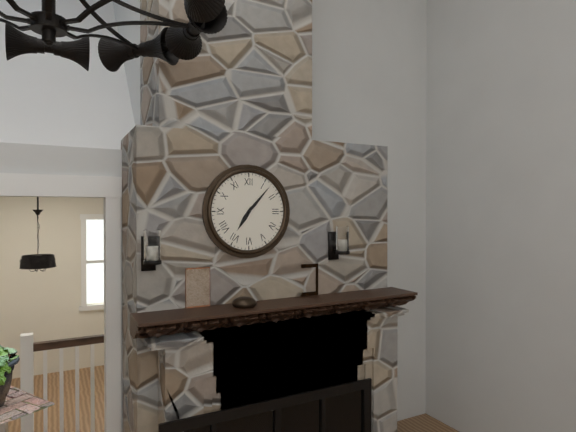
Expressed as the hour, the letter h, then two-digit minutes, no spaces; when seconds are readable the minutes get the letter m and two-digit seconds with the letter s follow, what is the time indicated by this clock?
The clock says 7h07
